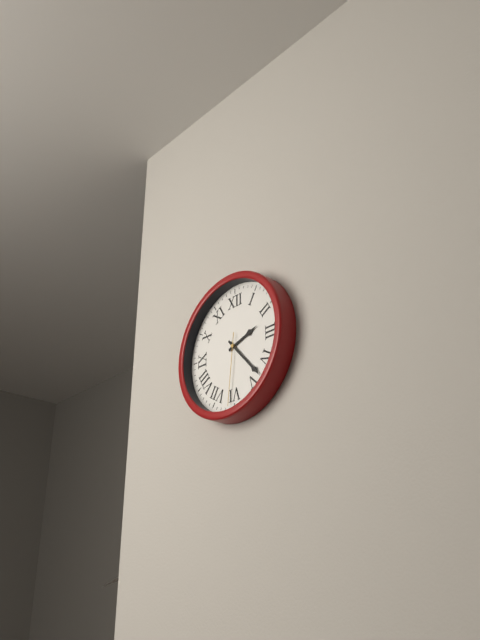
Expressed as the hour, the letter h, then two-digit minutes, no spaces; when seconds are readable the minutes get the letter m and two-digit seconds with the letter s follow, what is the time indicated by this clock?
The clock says 2h23m31s
